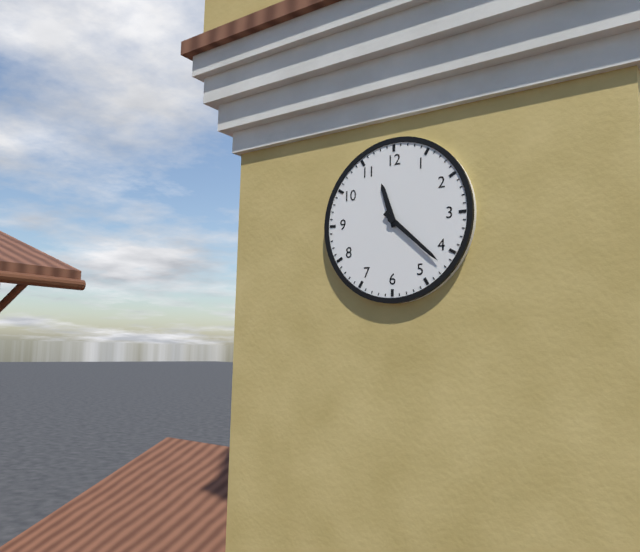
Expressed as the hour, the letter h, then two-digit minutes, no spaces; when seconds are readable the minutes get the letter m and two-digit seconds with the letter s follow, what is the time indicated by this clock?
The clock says 11h22
